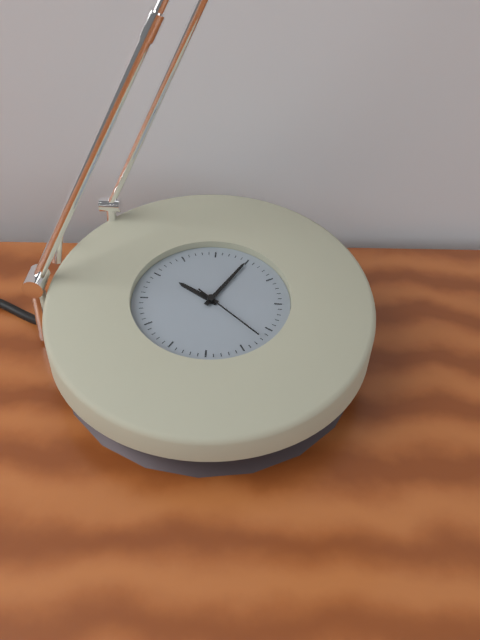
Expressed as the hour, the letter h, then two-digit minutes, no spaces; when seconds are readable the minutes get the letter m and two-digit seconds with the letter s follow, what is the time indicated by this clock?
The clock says 10h05m22s
